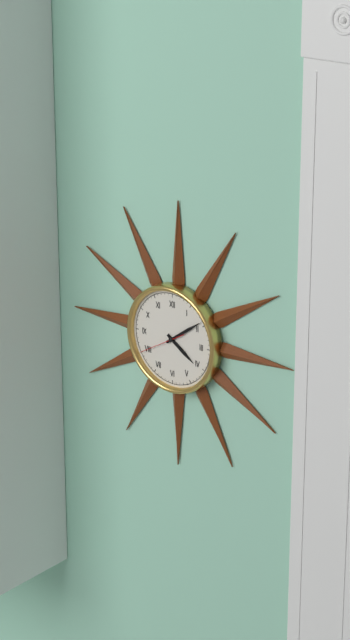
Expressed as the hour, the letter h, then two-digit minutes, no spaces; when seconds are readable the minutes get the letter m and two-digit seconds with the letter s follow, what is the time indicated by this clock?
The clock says 4h09m40s
